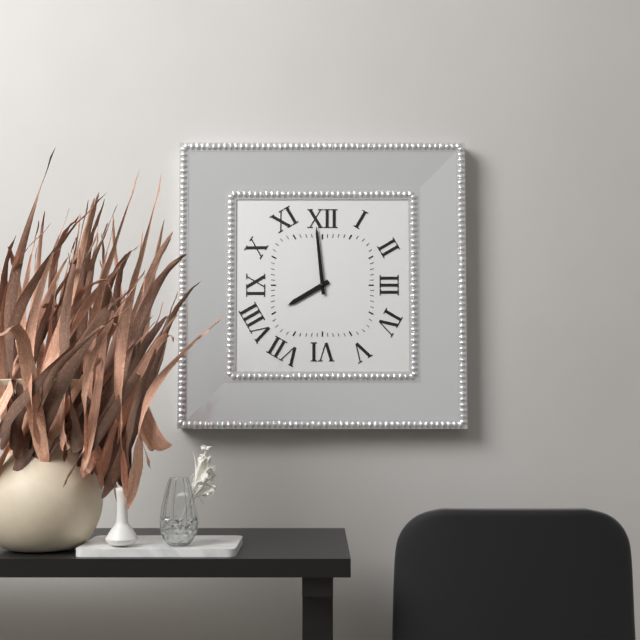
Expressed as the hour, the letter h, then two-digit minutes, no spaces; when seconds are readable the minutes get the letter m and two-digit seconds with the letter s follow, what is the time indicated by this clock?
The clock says 7h59
